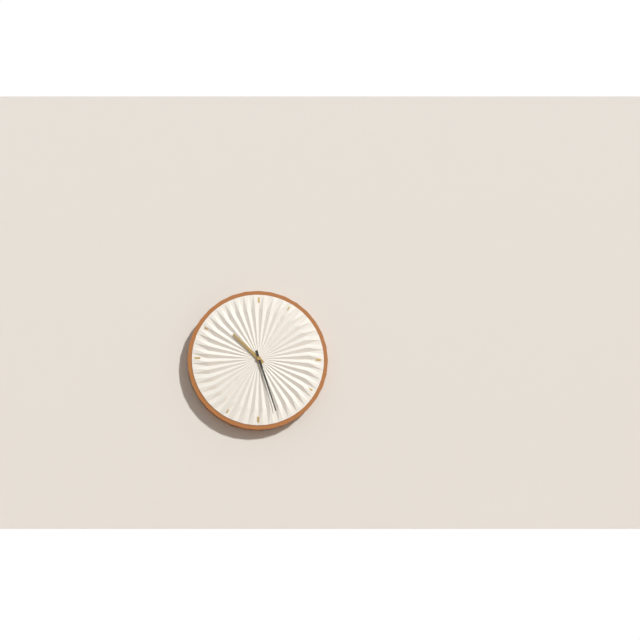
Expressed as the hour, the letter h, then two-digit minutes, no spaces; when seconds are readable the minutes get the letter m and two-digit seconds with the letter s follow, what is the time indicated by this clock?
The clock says 10h27
